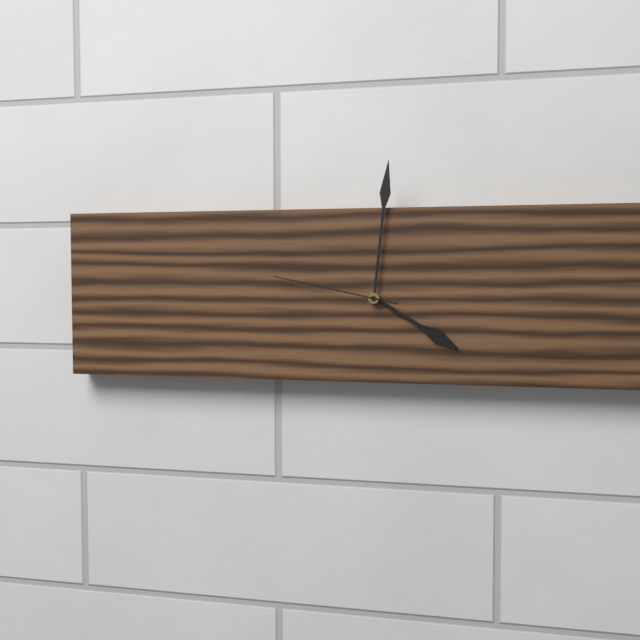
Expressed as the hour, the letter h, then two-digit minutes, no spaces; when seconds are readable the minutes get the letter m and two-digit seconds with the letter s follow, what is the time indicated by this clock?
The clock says 4h01m47s
